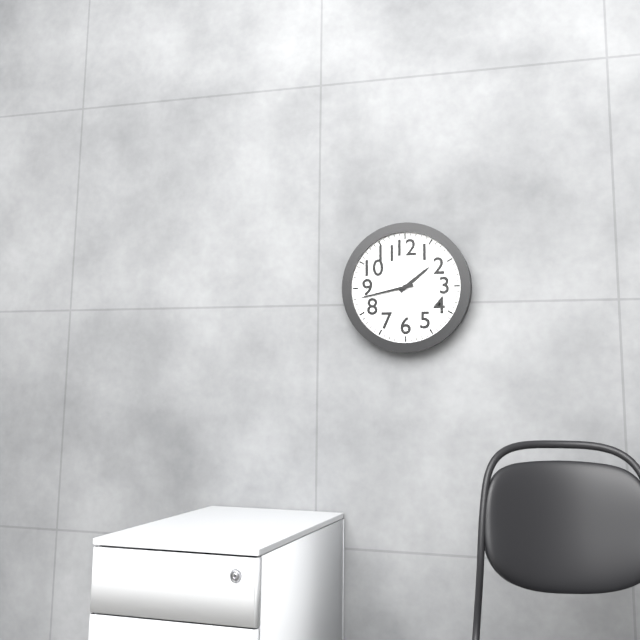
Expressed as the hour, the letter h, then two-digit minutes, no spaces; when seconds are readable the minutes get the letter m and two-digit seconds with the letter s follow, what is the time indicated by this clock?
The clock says 1h43
